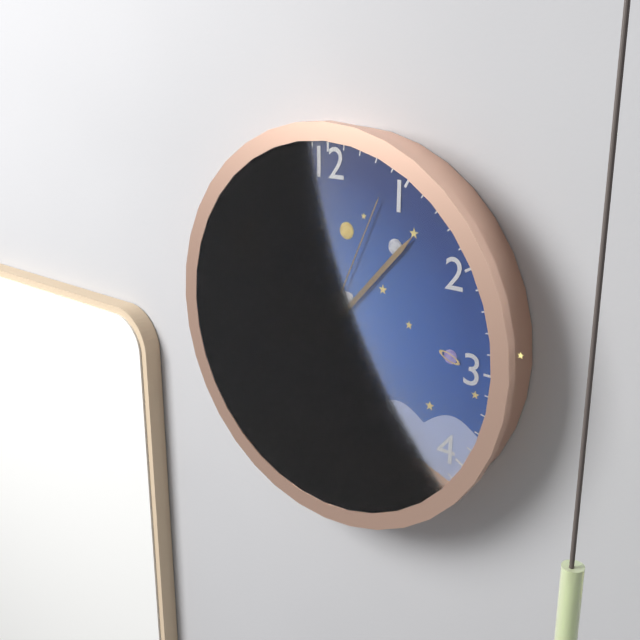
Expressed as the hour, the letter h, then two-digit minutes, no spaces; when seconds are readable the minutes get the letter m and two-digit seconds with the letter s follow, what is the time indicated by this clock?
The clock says 10h07m04s
